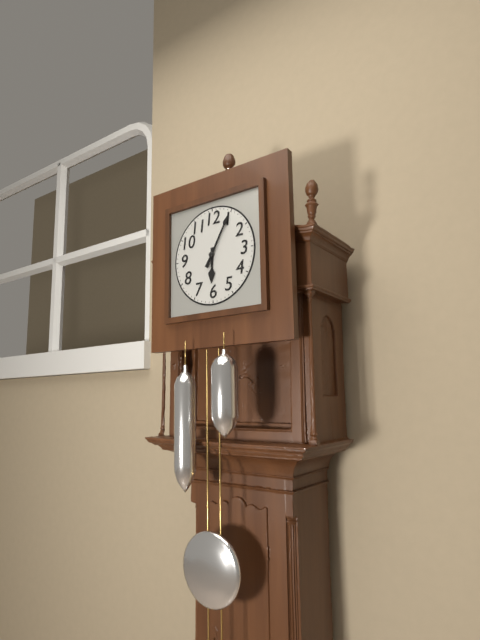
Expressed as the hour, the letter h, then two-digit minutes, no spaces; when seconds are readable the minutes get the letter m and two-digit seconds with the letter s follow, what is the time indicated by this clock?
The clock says 6h05
